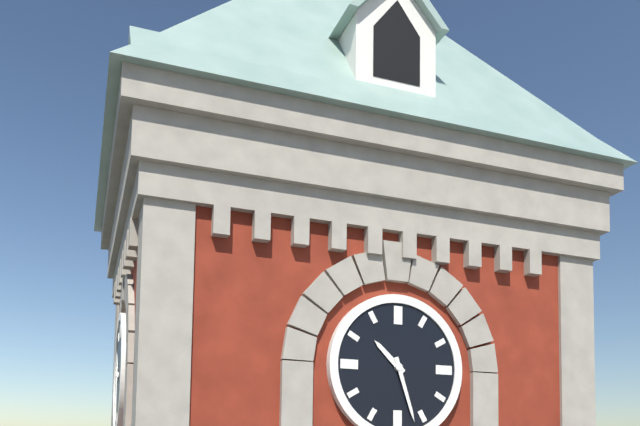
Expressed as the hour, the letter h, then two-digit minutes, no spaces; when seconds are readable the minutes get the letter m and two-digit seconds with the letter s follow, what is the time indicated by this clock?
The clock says 10h27
